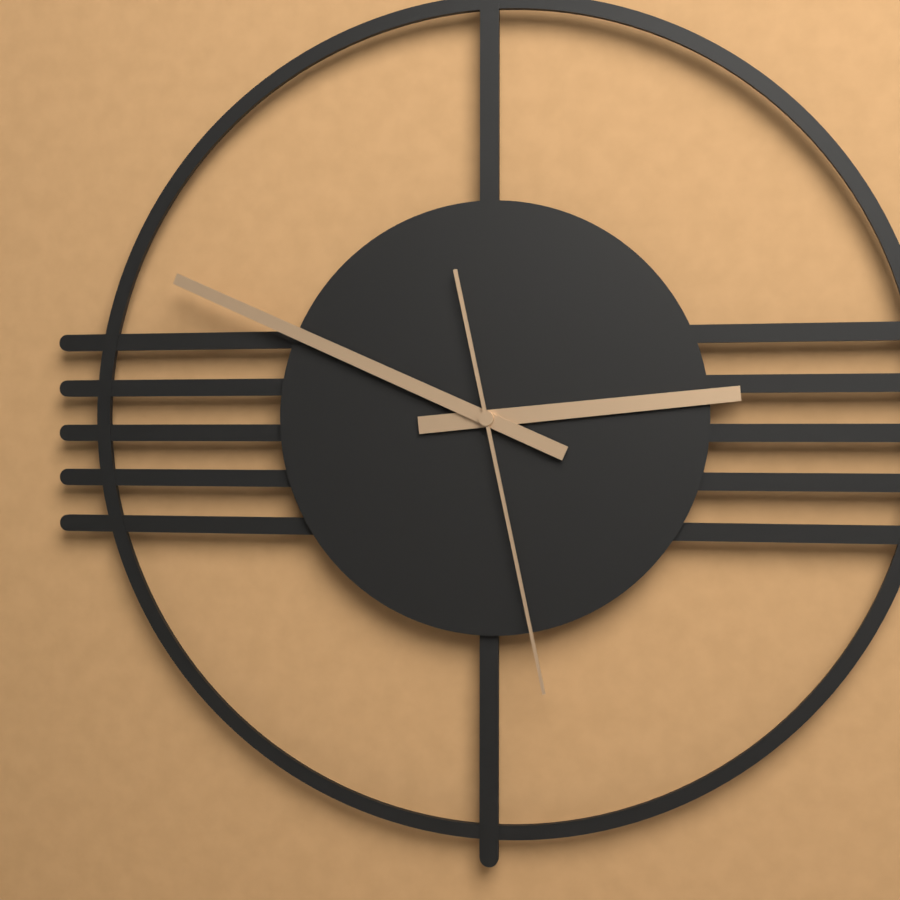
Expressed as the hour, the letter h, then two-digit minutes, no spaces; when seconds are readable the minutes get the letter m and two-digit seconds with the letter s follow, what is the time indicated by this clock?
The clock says 2h49m28s
